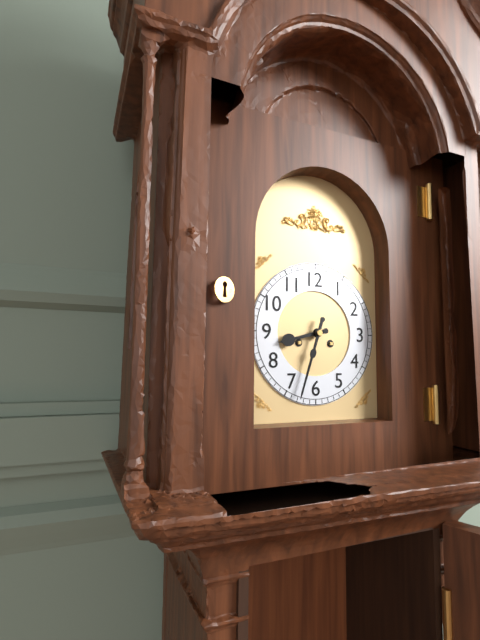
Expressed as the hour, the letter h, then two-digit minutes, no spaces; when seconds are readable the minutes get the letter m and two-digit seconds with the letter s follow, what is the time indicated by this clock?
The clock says 8h33
